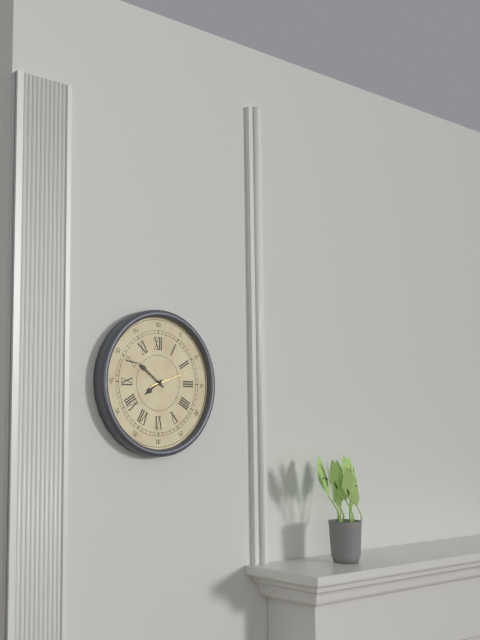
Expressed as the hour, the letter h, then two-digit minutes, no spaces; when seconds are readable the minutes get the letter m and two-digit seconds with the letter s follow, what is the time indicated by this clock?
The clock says 7h51
